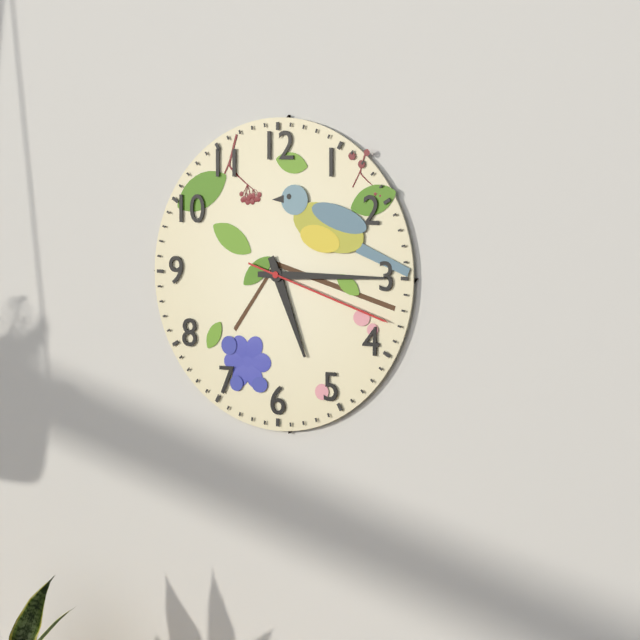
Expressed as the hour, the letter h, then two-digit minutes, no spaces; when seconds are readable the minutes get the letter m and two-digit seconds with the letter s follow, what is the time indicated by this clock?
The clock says 5h15m18s
